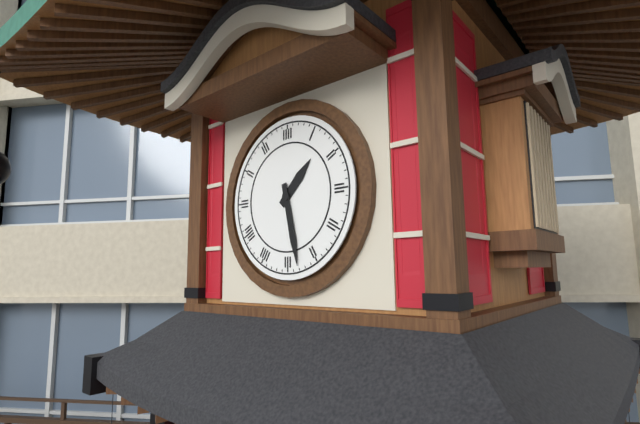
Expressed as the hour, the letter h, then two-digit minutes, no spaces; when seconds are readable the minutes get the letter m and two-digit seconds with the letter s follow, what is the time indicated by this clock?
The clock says 1h28
